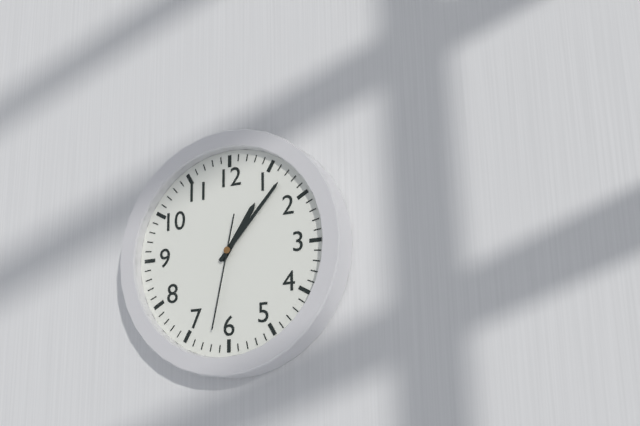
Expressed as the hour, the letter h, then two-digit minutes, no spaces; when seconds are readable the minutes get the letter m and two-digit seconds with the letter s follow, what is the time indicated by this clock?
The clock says 1h07m32s
